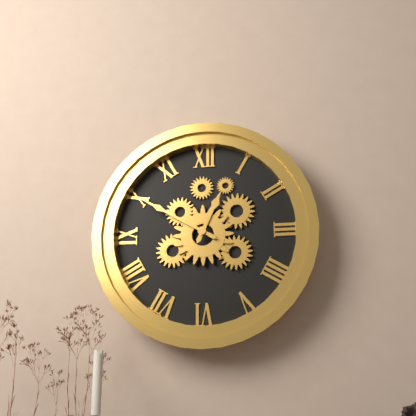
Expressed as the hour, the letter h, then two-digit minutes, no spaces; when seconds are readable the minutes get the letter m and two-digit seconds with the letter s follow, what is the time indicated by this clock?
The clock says 12h50
